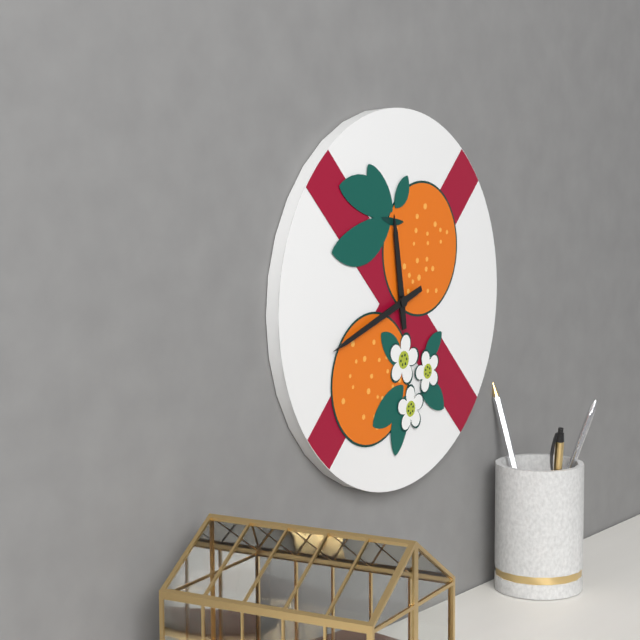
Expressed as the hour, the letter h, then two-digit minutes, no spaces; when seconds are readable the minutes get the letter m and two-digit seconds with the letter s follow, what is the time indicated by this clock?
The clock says 11h42
